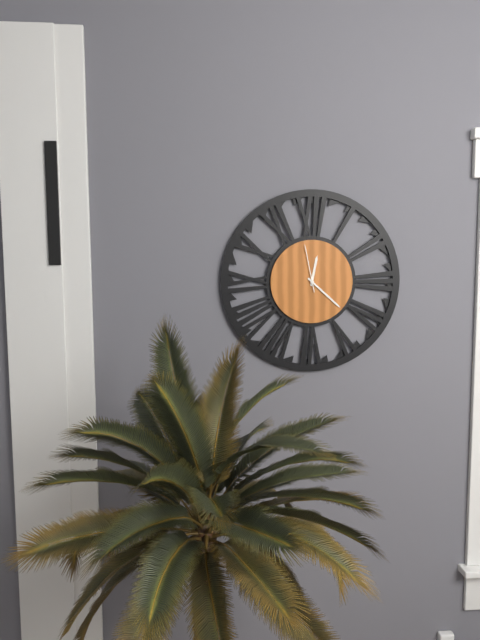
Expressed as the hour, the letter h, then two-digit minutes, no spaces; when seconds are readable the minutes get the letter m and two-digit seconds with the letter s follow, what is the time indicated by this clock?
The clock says 12h22
